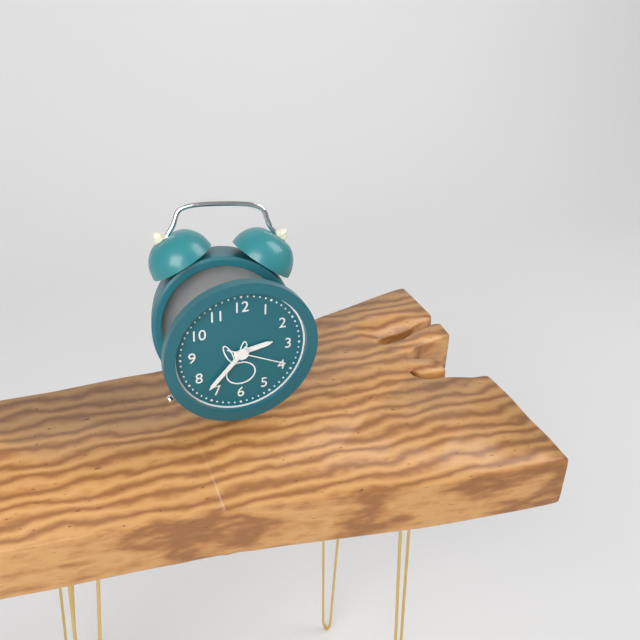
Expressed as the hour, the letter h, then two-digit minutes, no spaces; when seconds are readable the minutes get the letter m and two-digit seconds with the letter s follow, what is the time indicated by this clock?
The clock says 2h37m19s
